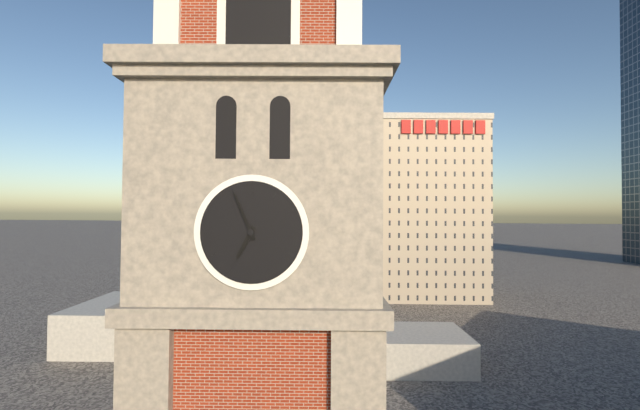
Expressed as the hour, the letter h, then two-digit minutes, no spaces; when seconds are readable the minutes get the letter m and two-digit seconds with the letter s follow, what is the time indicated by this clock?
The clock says 6h56
